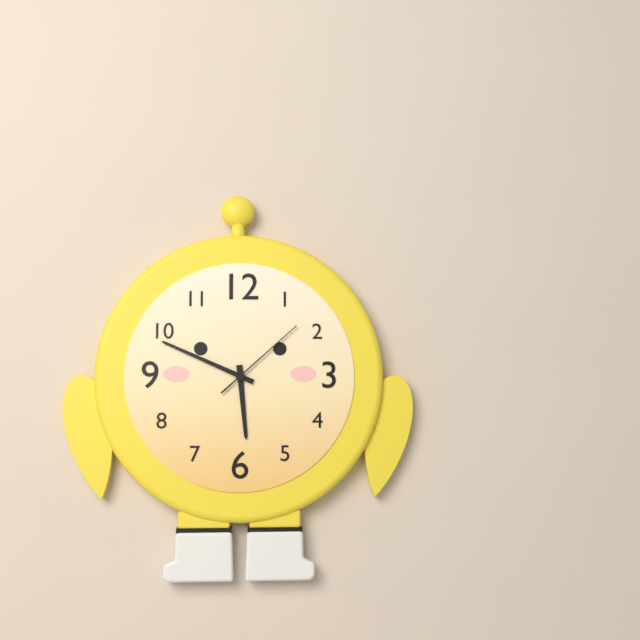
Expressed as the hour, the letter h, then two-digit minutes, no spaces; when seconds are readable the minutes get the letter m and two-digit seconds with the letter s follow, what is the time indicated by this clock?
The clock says 5h49m08s
